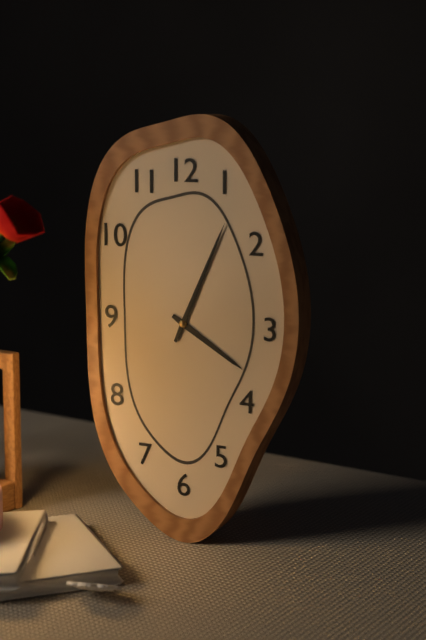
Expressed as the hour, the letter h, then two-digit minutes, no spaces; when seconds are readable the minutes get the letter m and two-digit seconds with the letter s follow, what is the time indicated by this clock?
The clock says 4h04
